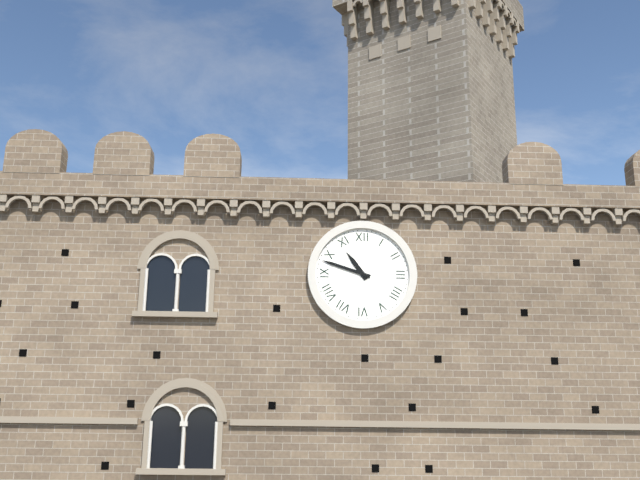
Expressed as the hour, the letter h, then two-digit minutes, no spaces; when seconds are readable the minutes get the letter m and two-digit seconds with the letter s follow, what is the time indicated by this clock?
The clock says 10h48
